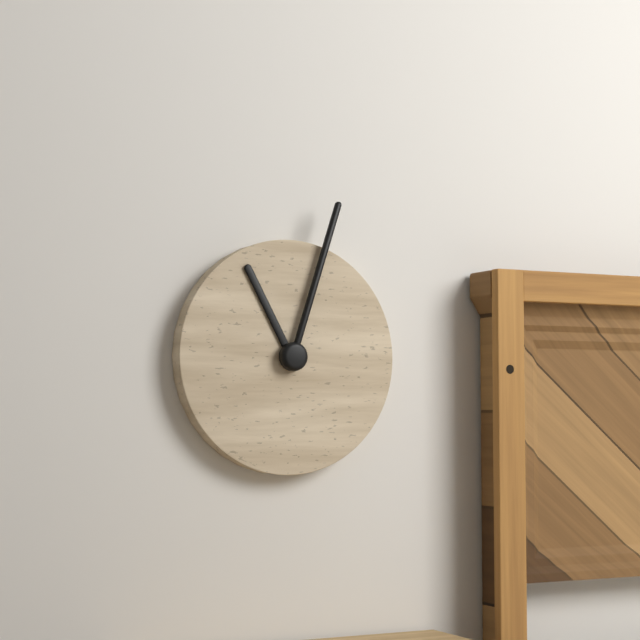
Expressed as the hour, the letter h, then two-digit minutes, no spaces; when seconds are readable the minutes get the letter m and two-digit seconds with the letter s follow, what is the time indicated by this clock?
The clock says 11h03
